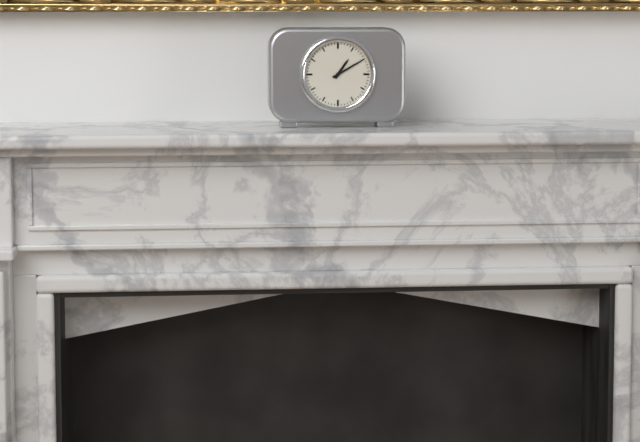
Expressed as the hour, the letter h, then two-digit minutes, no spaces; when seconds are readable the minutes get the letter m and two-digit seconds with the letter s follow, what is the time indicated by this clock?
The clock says 1h10
